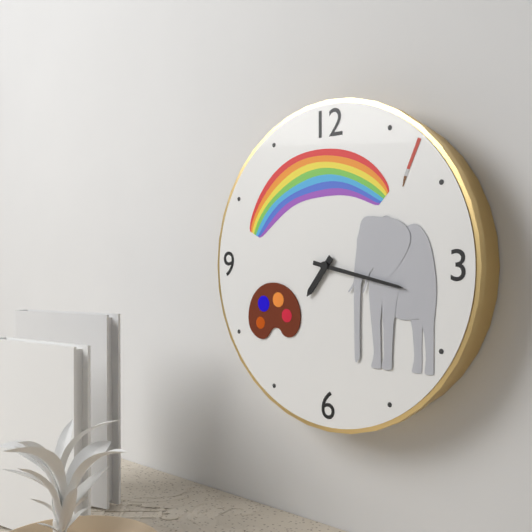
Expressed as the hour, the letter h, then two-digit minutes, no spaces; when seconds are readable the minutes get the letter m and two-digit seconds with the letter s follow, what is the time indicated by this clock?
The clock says 7h17
